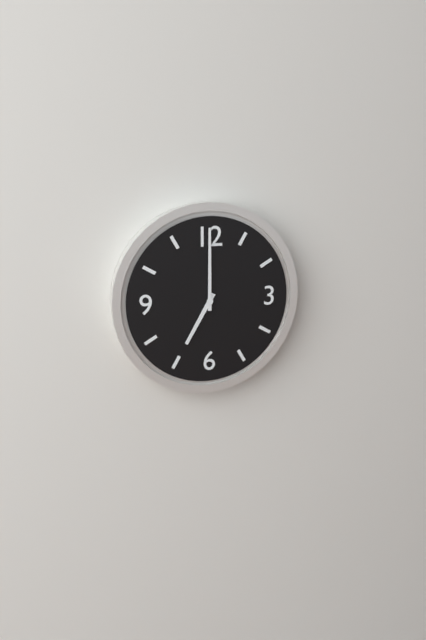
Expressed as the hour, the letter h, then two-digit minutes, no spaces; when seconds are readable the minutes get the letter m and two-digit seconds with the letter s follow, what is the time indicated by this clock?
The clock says 7h00
